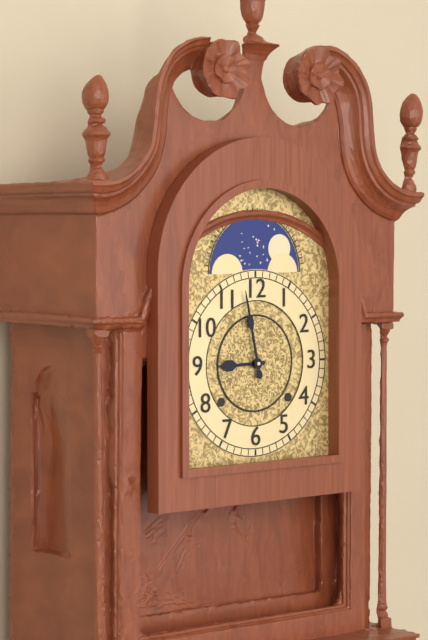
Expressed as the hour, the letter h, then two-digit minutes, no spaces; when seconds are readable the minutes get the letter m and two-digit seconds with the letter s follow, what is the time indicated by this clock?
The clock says 8h58
